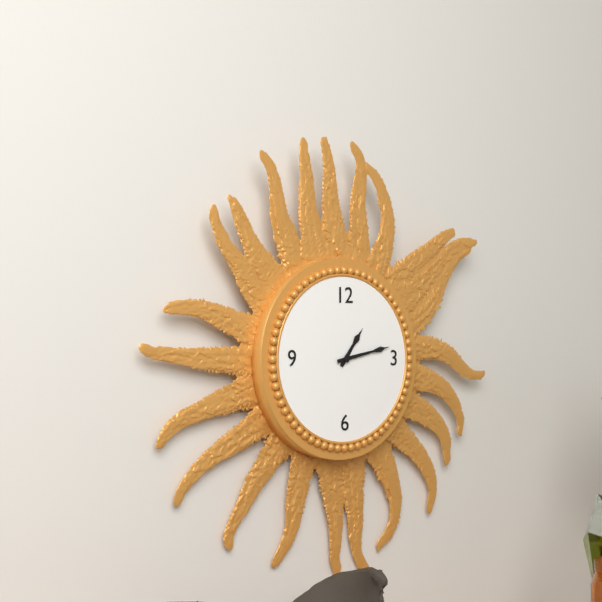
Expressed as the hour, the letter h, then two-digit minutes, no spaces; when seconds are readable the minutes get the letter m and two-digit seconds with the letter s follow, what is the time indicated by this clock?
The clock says 1h13
